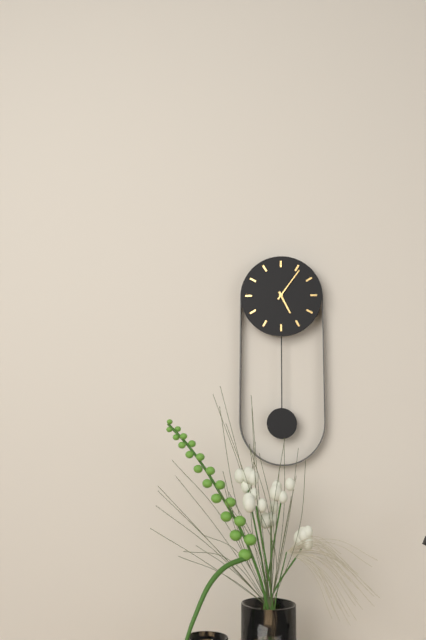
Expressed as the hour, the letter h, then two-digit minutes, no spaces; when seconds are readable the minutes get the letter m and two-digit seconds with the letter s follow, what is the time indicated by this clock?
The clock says 5h06
